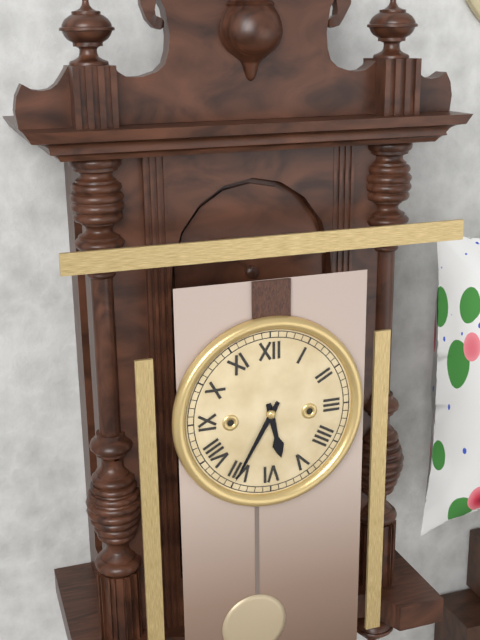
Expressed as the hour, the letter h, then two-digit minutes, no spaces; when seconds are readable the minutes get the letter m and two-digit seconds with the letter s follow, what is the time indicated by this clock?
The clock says 5h35
